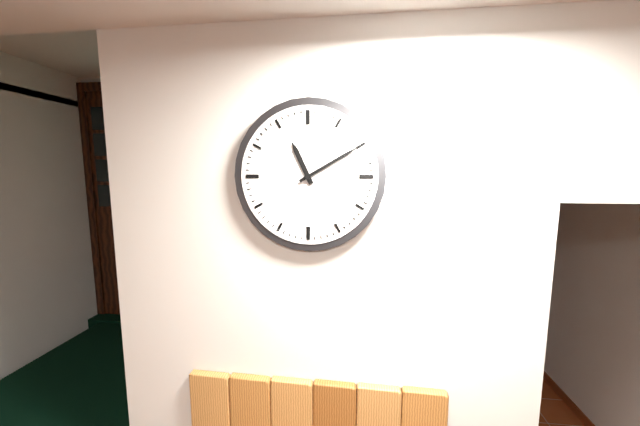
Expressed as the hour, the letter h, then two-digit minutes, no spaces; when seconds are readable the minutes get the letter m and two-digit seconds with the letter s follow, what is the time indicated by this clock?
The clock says 11h10
